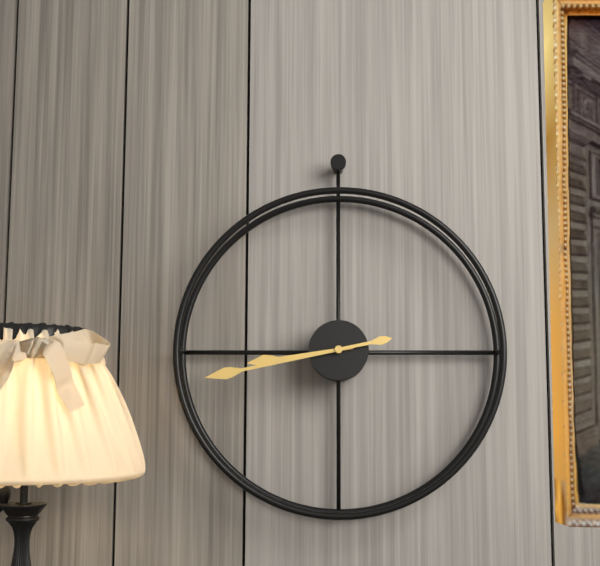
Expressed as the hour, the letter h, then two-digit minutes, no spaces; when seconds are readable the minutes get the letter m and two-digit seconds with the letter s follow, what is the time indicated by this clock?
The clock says 8h43
